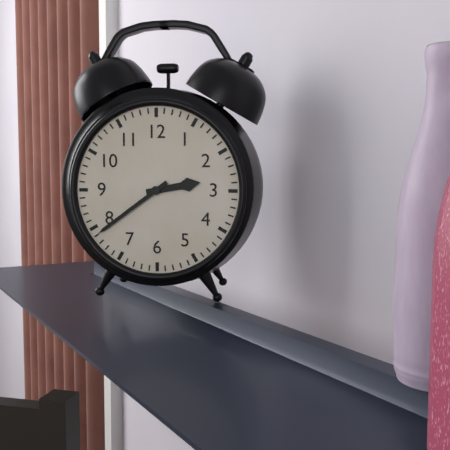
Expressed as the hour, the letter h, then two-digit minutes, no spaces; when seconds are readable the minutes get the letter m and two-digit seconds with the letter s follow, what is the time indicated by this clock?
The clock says 2h39
